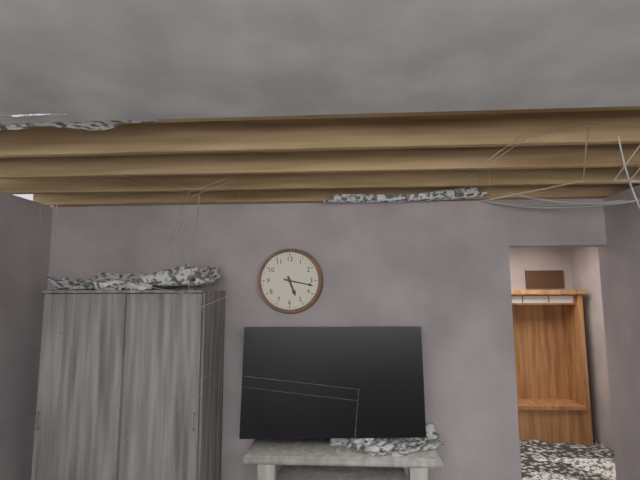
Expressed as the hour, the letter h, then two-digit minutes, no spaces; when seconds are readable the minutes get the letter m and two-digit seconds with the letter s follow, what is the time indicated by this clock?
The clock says 5h17
